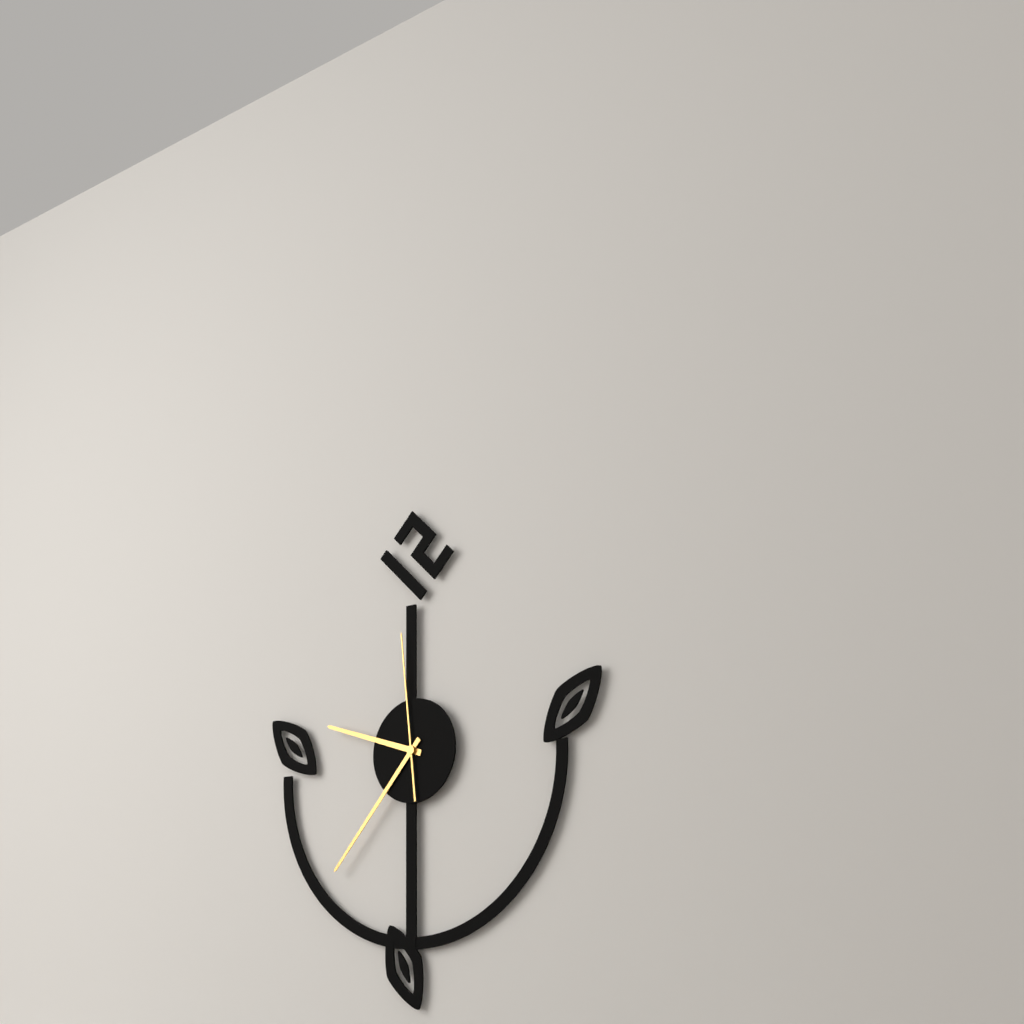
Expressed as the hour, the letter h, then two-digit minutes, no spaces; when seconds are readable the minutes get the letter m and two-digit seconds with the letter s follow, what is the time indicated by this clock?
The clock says 9h37m59s
